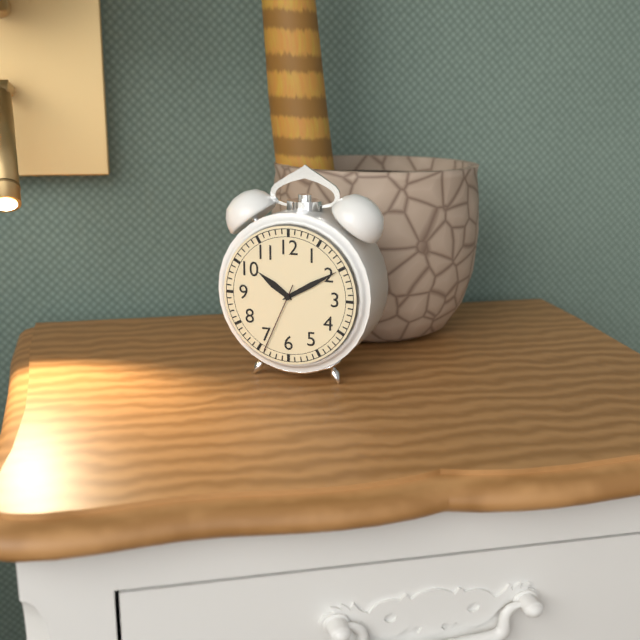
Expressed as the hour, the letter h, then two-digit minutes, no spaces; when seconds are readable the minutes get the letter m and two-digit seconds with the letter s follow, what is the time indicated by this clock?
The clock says 10h10m34s
